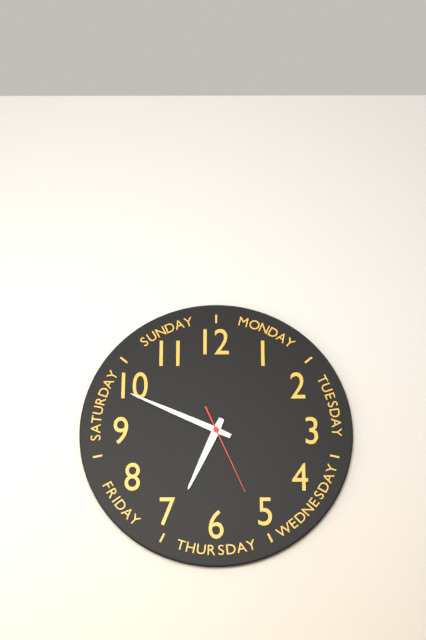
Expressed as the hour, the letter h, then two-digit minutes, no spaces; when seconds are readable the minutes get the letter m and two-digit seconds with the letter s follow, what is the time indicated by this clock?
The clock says 6h49m26s
